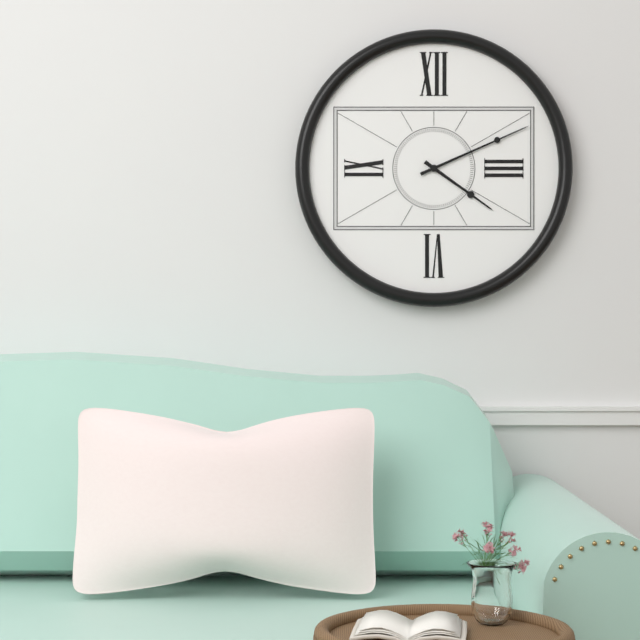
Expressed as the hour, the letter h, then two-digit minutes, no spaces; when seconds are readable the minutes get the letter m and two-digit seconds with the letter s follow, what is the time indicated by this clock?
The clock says 4h11
